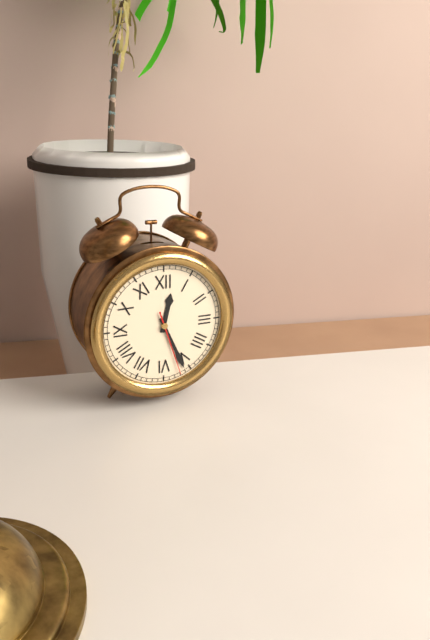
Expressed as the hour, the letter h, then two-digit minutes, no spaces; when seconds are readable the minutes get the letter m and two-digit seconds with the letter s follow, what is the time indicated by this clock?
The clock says 12h26m27s
